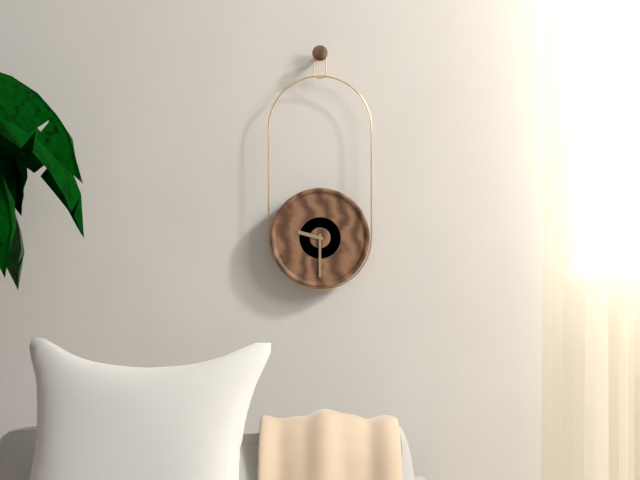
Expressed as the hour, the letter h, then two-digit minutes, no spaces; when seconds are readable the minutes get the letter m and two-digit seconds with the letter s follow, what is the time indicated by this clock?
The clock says 9h30
